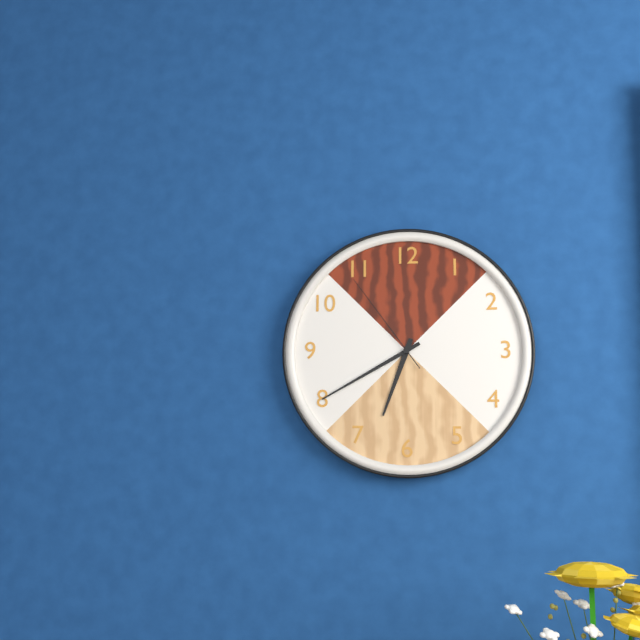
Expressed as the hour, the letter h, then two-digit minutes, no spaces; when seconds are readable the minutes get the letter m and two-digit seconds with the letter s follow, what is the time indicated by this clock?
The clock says 6h40m54s
